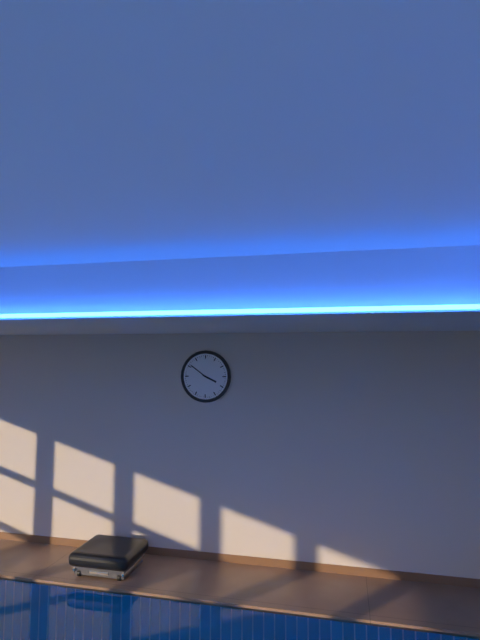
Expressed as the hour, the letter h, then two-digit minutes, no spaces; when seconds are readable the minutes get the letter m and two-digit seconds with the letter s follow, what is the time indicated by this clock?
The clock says 3h51
